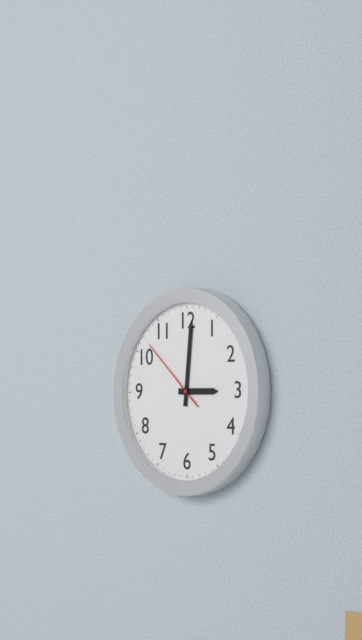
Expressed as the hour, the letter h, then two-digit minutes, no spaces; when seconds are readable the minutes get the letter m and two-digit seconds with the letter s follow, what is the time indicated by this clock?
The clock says 3h01m52s
